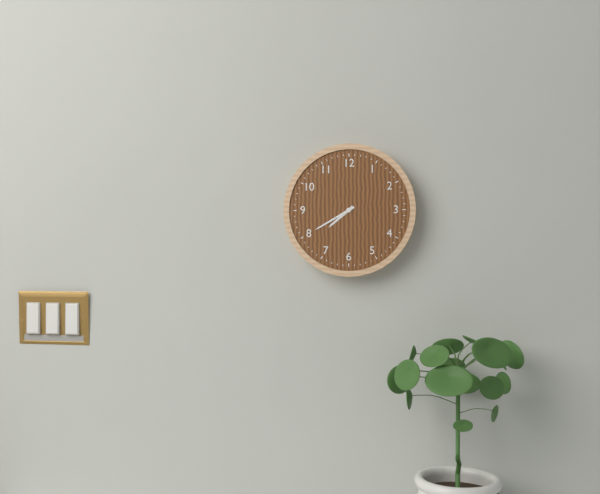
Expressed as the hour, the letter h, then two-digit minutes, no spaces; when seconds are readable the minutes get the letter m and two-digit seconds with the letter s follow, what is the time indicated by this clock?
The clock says 7h40
